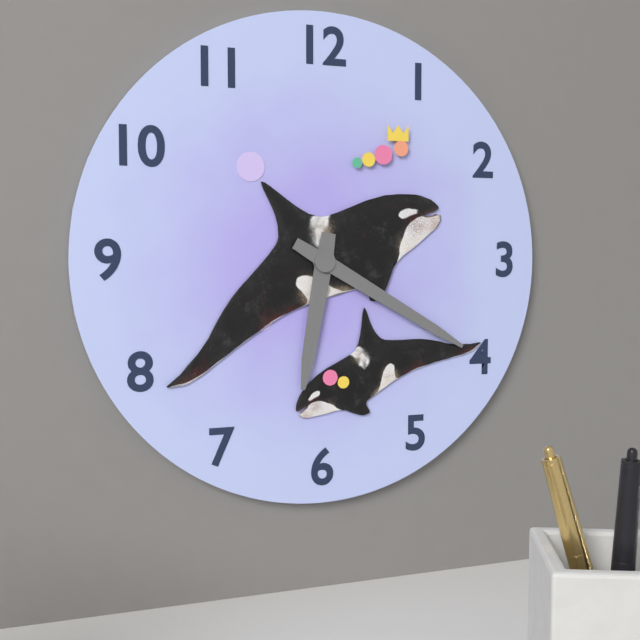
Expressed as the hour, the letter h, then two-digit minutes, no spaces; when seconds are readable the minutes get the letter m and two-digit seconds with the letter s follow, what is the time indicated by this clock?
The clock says 6h20
